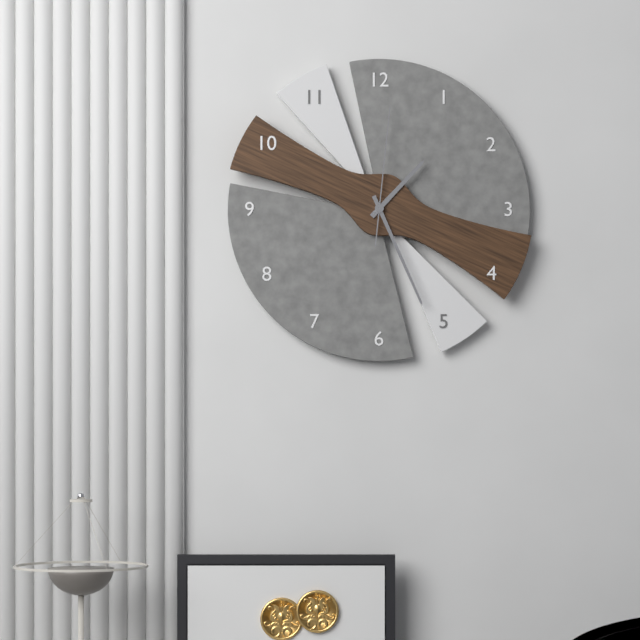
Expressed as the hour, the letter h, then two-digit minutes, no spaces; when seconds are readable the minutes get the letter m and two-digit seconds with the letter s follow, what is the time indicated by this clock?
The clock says 1h26m01s
